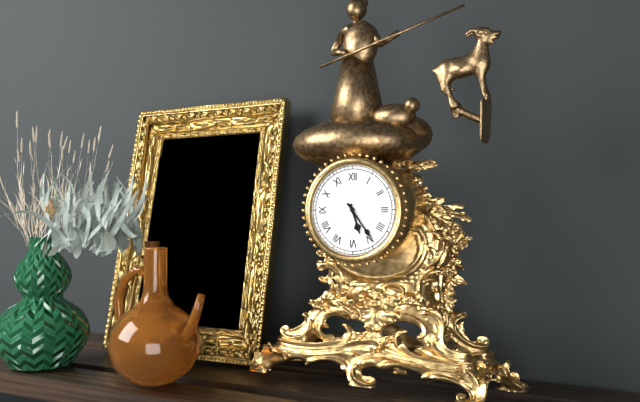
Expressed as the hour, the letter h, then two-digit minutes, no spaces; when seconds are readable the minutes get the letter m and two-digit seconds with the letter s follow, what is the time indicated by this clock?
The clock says 5h24
